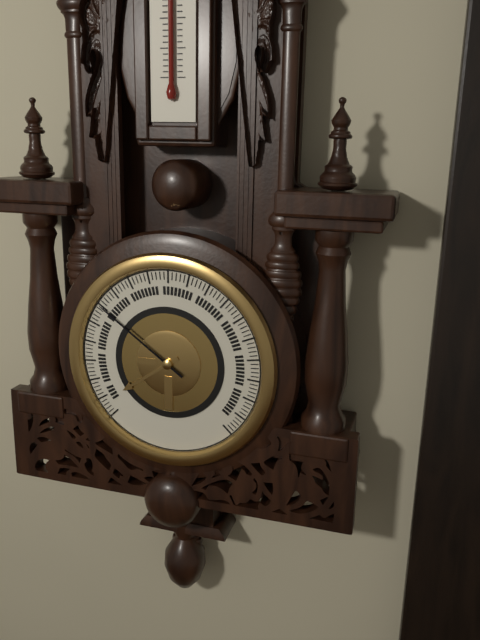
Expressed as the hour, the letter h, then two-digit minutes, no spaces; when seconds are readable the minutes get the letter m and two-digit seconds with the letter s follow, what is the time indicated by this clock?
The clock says 7h51
